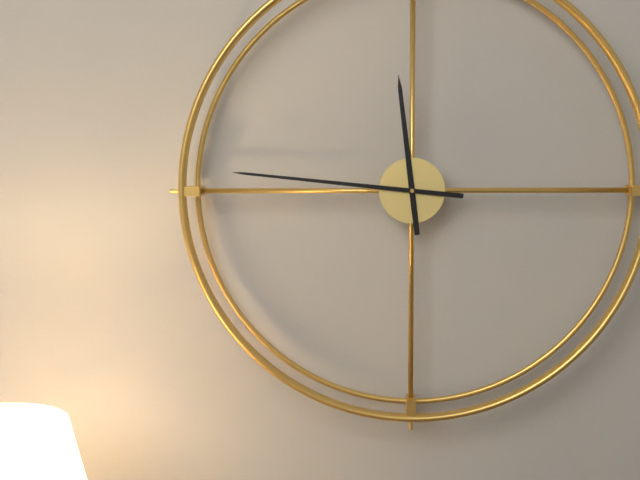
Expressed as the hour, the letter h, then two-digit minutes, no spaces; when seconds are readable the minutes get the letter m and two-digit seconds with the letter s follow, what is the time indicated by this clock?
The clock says 11h46
